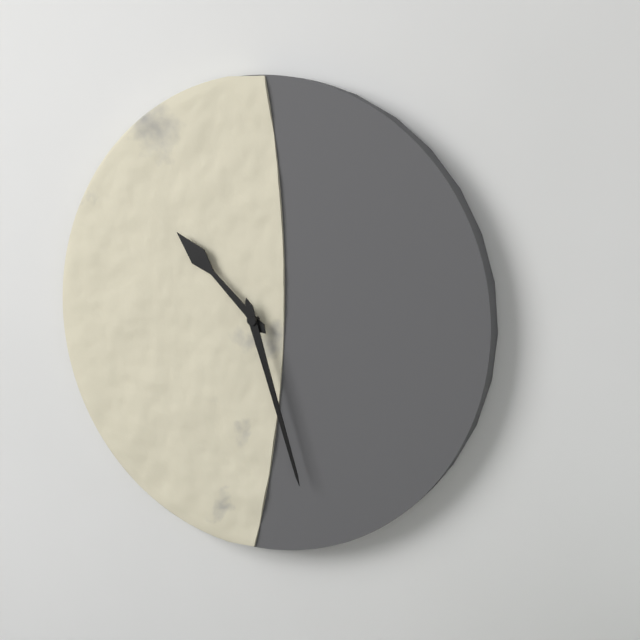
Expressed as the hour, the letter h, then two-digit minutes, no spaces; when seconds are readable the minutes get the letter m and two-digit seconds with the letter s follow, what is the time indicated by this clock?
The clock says 10h27
